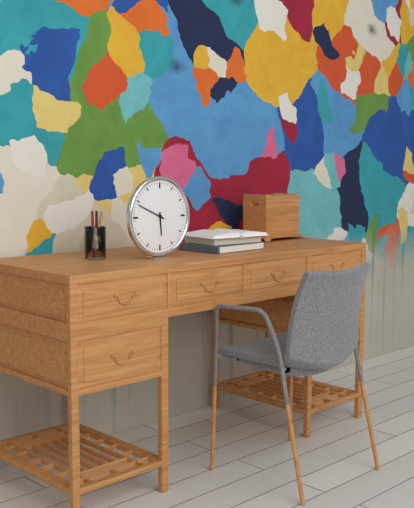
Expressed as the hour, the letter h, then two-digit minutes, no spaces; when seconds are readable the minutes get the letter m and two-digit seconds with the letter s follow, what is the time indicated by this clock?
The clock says 5h49
